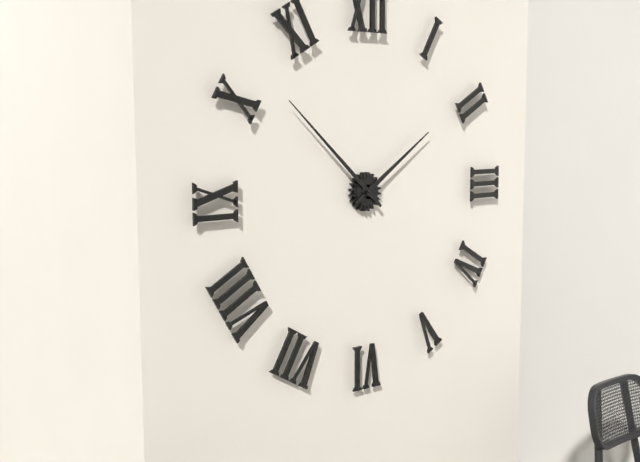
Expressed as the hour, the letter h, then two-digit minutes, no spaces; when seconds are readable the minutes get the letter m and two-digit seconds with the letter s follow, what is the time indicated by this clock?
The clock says 1h52
